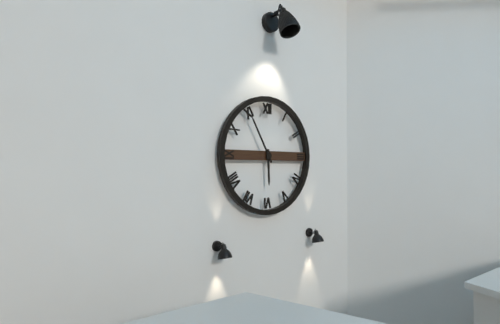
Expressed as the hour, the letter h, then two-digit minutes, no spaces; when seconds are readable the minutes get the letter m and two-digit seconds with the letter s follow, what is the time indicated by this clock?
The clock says 5h55
